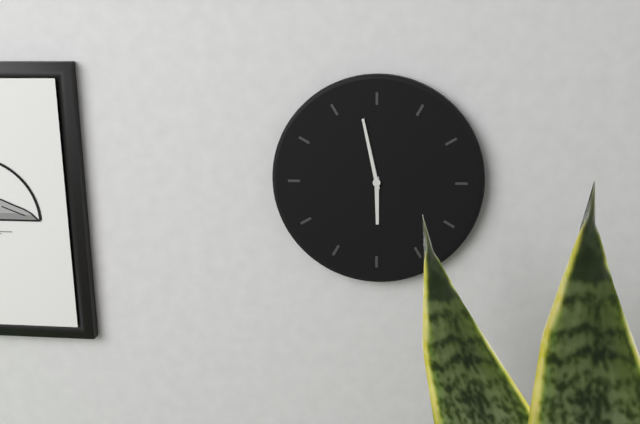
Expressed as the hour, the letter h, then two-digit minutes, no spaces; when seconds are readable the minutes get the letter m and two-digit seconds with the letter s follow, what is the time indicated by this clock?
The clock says 5h58
